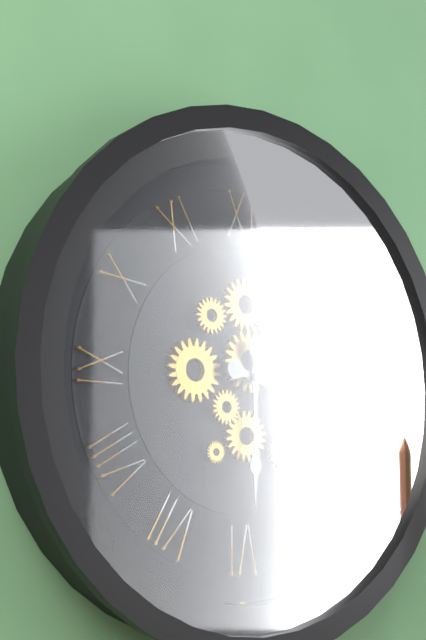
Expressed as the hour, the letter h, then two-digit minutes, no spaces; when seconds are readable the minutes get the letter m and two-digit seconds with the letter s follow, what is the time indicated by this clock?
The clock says 3h30
